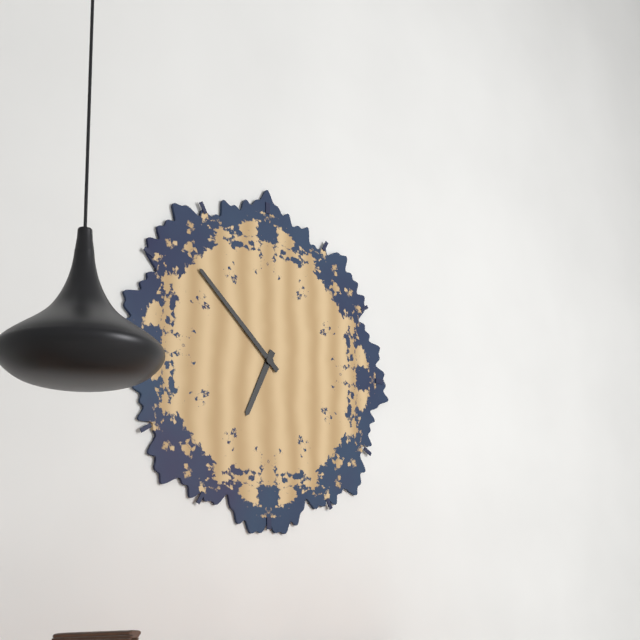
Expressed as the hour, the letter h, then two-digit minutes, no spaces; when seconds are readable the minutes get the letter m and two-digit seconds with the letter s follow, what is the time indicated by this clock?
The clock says 6h52
